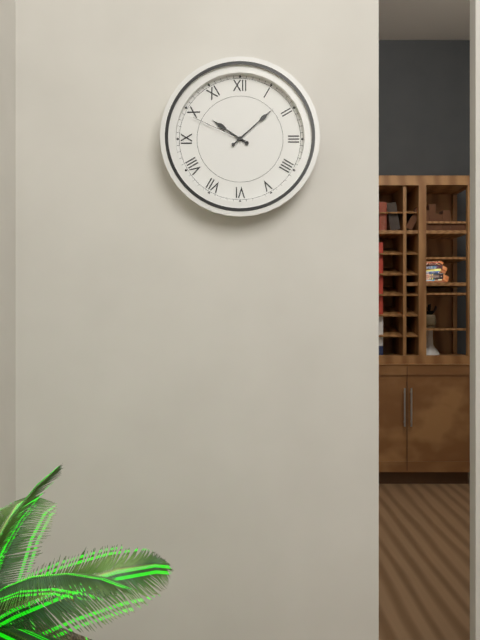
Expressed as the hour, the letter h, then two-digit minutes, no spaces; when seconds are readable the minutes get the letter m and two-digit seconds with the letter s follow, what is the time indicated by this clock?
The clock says 10h08m49s
